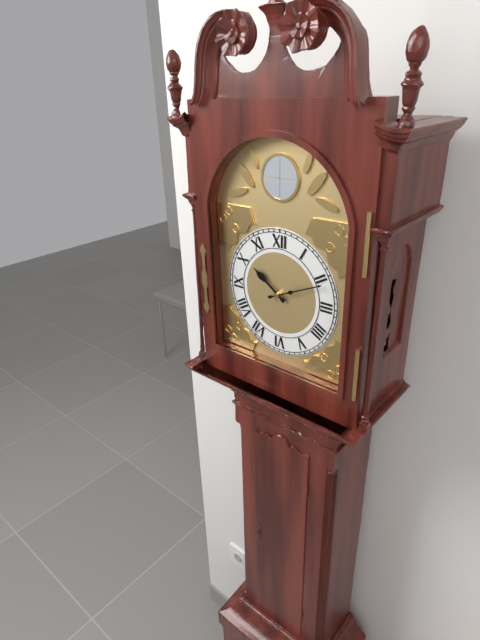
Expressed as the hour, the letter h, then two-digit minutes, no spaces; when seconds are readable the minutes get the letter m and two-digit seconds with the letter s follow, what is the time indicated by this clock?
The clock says 10h11
